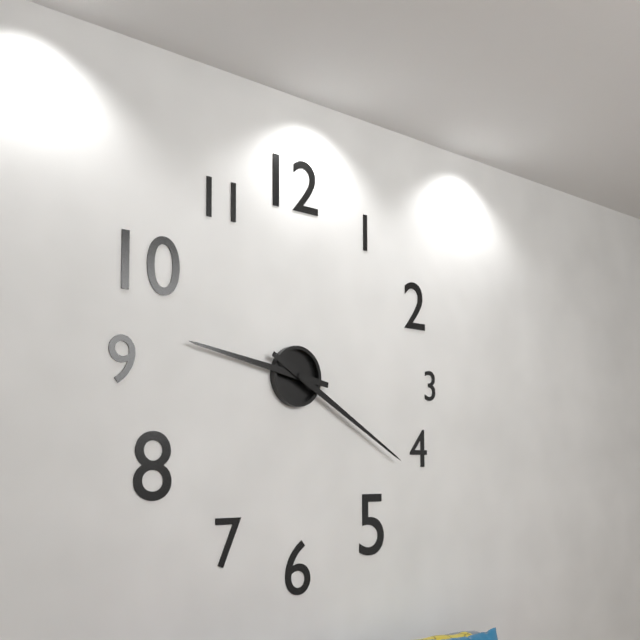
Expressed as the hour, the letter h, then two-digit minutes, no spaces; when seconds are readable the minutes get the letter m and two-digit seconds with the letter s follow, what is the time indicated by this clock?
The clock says 9h20
